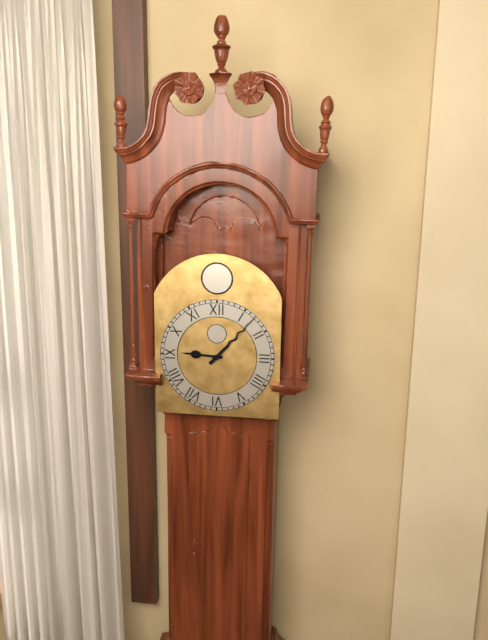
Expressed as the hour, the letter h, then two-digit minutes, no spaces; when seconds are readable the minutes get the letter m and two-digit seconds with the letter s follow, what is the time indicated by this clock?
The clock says 9h07
